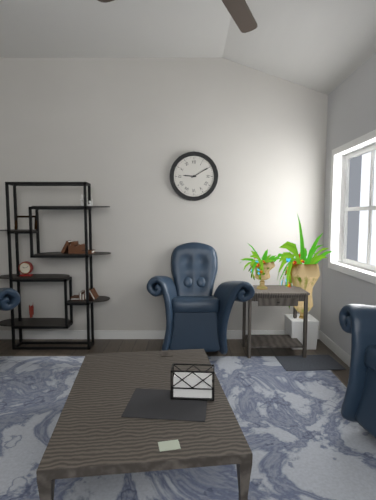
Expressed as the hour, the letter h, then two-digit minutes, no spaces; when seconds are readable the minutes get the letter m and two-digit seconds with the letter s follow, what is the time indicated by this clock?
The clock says 9h10
